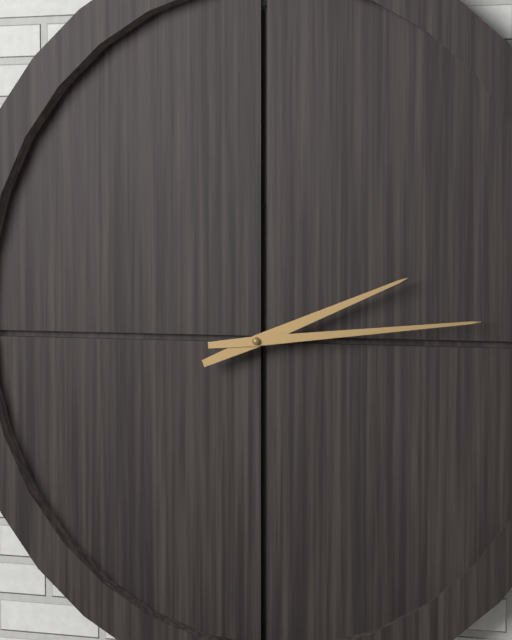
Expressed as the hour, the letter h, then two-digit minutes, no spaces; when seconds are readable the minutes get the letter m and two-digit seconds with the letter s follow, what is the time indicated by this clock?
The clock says 2h14
